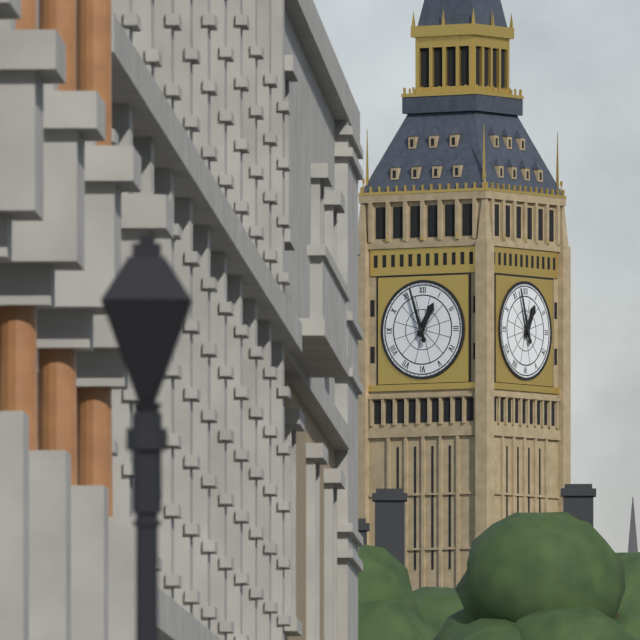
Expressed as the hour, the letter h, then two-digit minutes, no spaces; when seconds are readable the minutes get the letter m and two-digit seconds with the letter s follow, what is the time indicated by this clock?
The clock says 12h57
